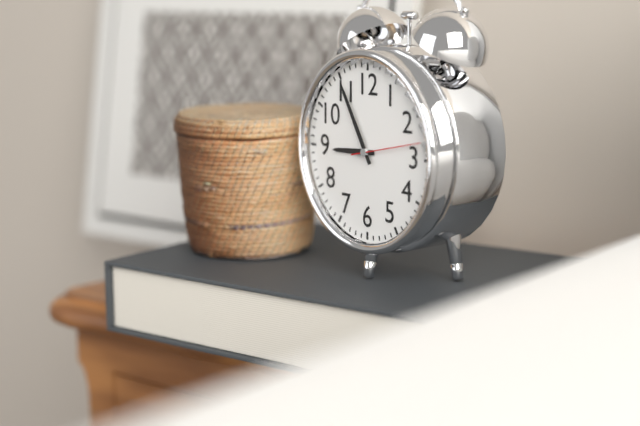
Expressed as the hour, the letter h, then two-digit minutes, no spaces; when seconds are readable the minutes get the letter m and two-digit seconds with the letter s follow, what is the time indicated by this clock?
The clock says 8h55m13s
